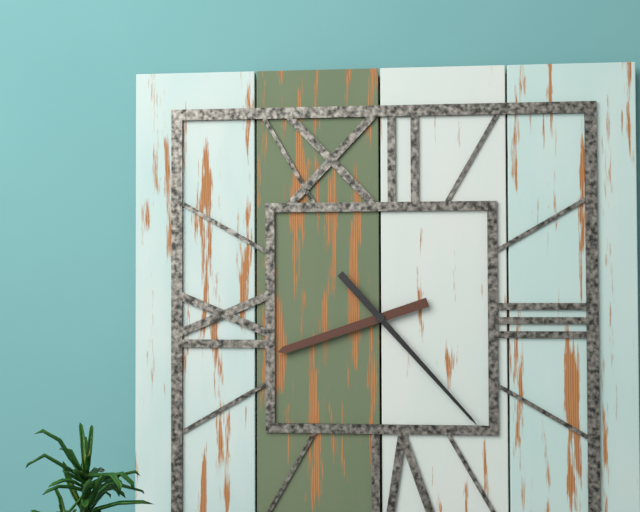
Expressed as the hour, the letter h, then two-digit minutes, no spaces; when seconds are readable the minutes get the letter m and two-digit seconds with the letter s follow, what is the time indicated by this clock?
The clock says 8h23
